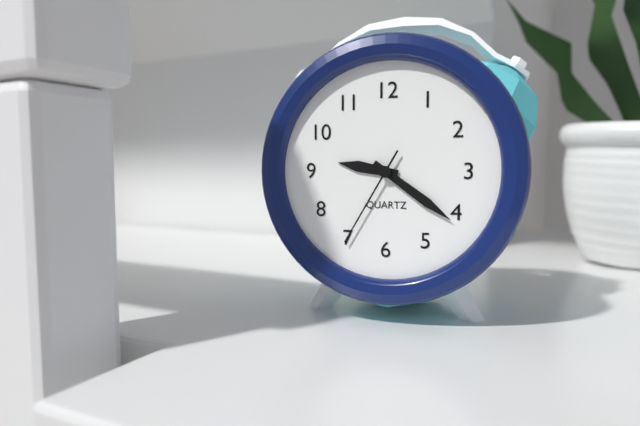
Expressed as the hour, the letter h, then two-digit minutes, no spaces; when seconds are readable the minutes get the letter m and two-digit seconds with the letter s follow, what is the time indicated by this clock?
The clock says 9h21m35s
